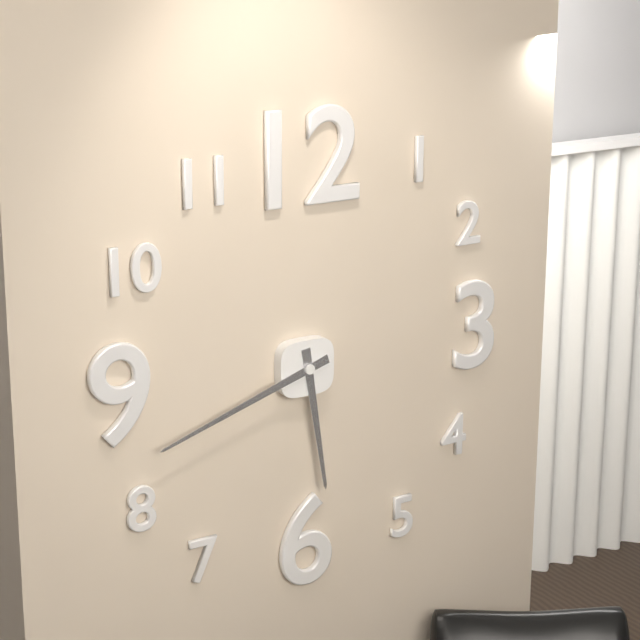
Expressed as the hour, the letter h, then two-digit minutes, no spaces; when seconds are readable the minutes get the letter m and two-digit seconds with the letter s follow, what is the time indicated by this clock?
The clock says 5h42
